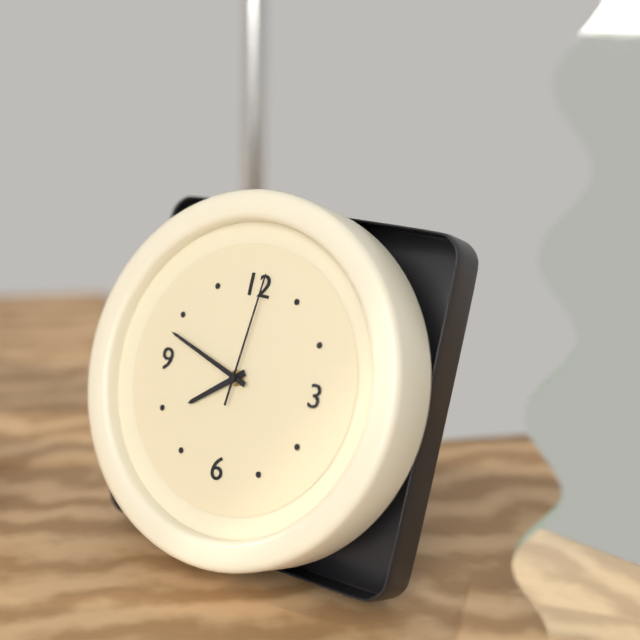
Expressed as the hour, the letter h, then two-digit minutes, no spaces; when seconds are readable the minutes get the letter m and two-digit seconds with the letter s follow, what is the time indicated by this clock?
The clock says 7h48m01s
